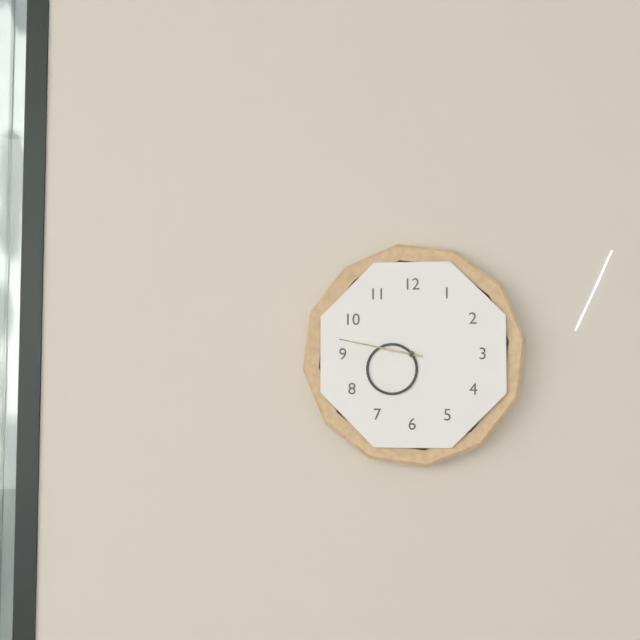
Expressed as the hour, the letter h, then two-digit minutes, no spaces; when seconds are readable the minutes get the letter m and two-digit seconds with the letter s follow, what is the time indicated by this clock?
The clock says 7h47
